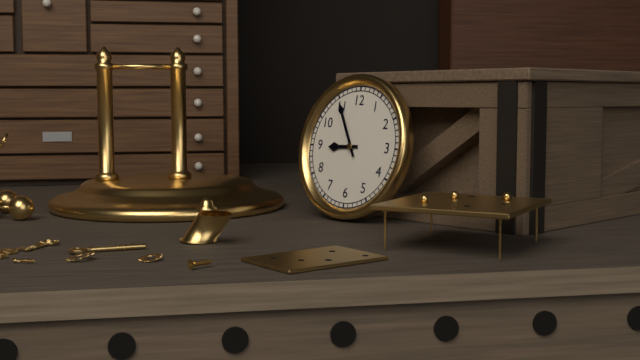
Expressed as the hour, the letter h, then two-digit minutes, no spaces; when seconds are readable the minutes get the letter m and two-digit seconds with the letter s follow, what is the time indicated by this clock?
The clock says 8h55
